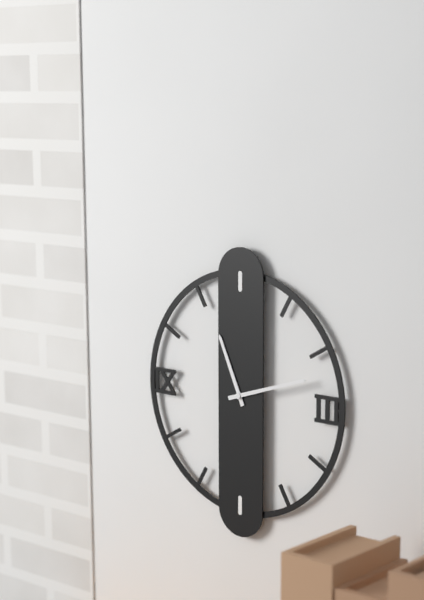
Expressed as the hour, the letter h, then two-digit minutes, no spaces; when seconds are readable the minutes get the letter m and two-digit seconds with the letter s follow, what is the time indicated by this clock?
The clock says 11h12
